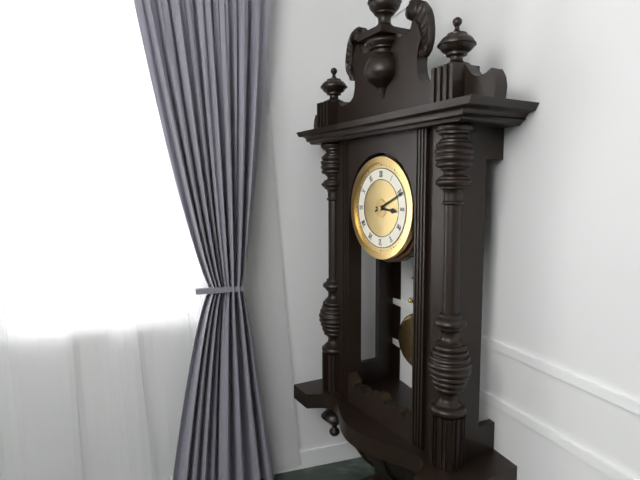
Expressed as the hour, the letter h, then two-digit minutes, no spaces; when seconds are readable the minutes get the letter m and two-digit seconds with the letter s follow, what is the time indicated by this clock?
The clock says 3h11
